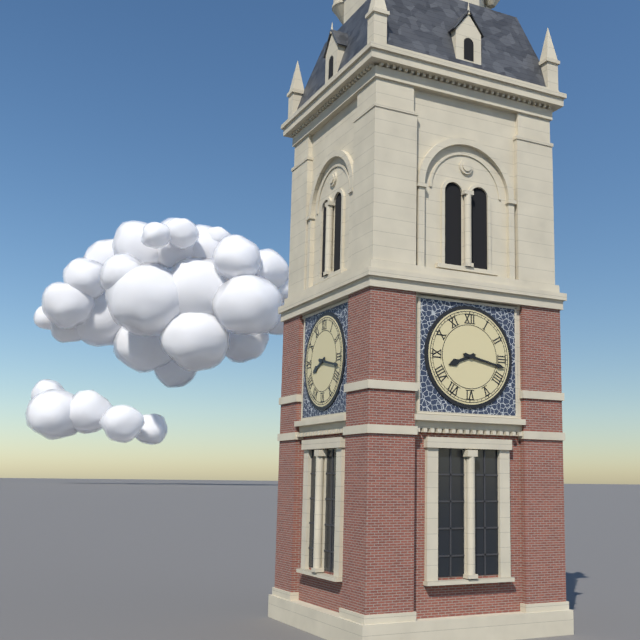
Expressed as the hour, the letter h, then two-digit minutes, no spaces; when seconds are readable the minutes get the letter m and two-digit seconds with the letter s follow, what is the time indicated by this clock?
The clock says 8h17
